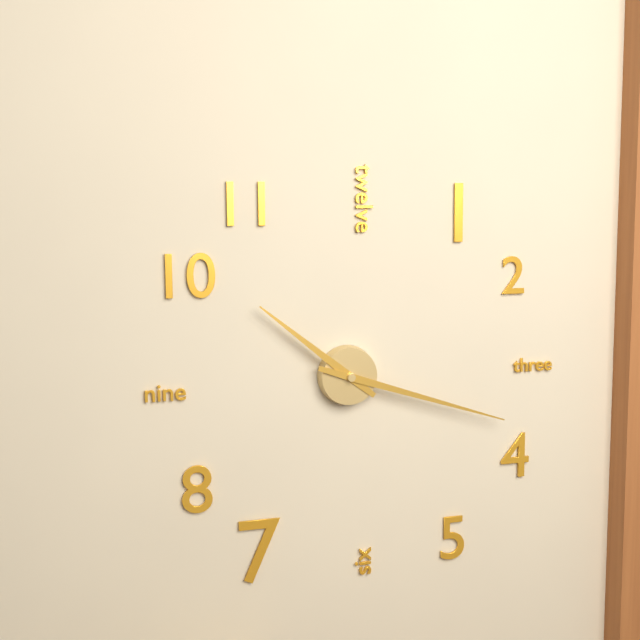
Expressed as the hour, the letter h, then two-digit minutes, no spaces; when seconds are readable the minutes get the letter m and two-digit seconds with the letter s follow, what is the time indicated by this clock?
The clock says 10h18
